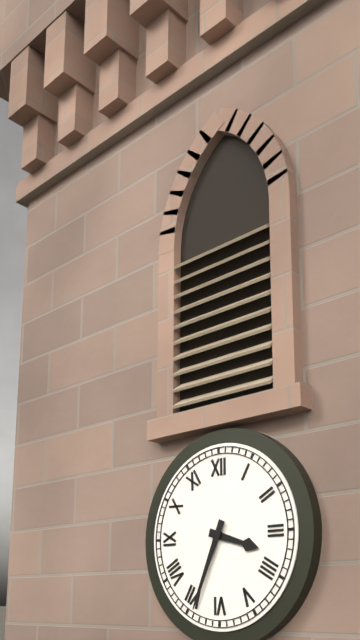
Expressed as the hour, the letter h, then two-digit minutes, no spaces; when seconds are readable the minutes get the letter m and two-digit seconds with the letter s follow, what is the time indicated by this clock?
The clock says 3h34
